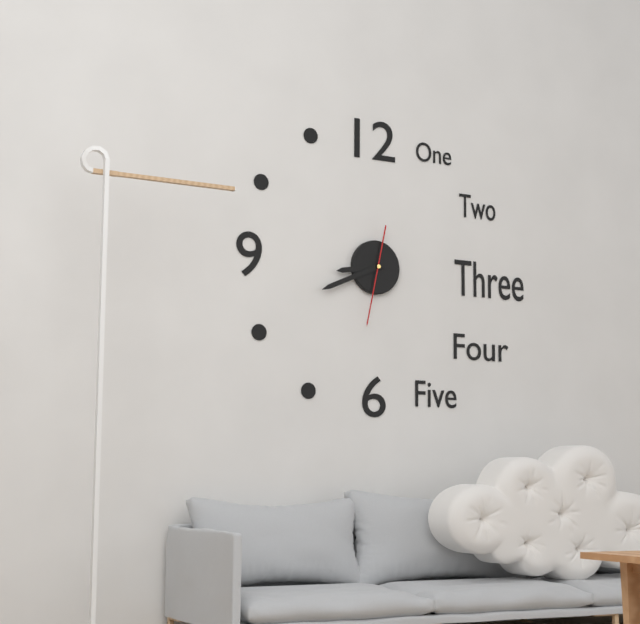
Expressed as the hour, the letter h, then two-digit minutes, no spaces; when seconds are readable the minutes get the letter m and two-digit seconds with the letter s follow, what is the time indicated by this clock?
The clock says 8h41m32s
